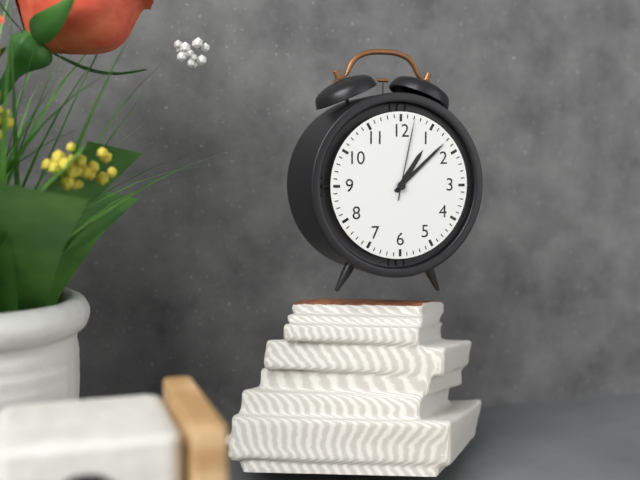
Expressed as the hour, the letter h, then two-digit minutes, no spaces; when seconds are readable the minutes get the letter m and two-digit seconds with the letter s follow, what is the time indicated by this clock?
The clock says 1h08m02s
